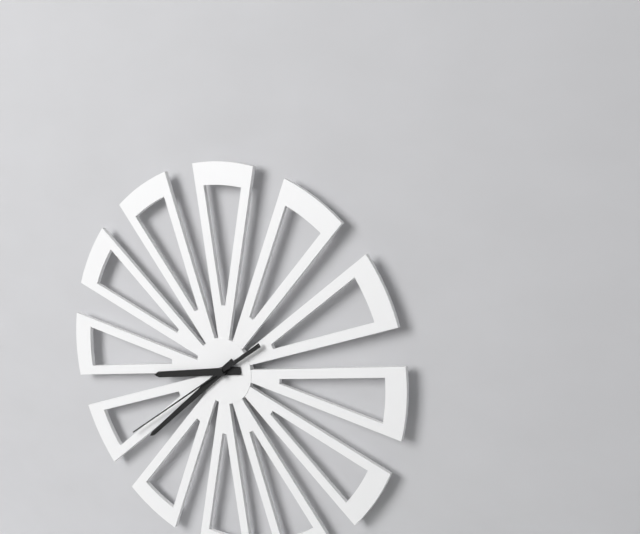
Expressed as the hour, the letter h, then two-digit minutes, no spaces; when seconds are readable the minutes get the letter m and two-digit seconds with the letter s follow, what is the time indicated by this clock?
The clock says 8h38m39s
